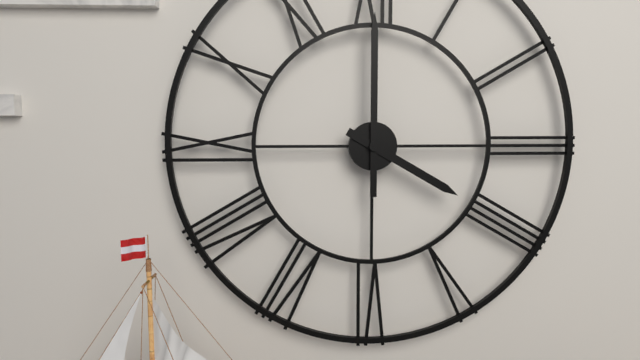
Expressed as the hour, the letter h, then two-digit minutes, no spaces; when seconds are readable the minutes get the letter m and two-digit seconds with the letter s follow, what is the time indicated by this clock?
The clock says 4h00
